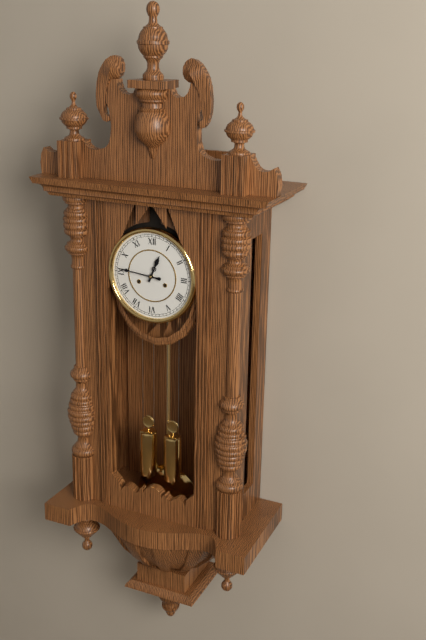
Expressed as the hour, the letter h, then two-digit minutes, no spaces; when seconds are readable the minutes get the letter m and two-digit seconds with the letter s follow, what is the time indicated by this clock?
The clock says 12h46
